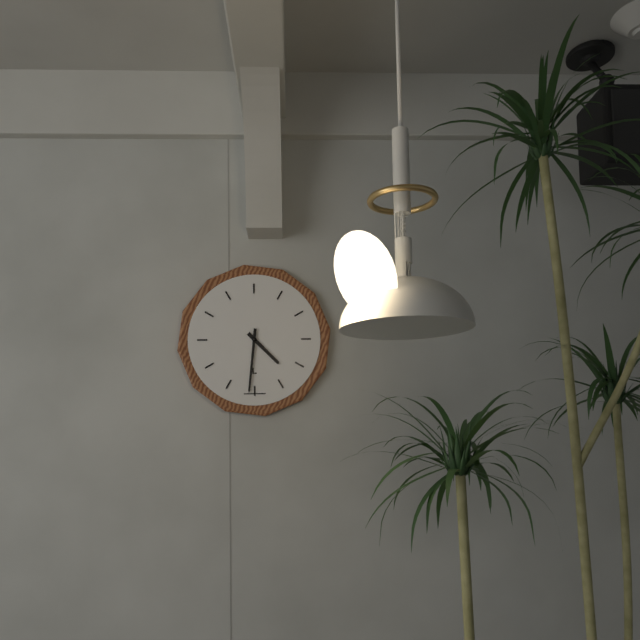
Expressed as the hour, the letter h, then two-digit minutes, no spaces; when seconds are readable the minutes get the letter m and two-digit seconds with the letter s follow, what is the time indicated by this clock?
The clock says 4h31
